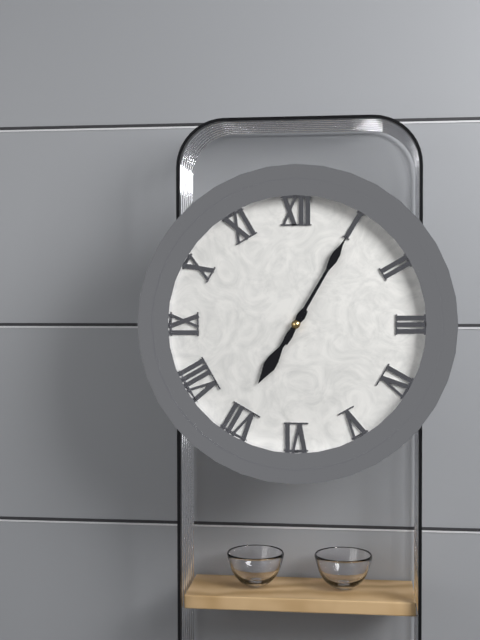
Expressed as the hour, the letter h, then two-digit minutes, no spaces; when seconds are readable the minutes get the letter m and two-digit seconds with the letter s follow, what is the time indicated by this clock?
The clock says 7h05
